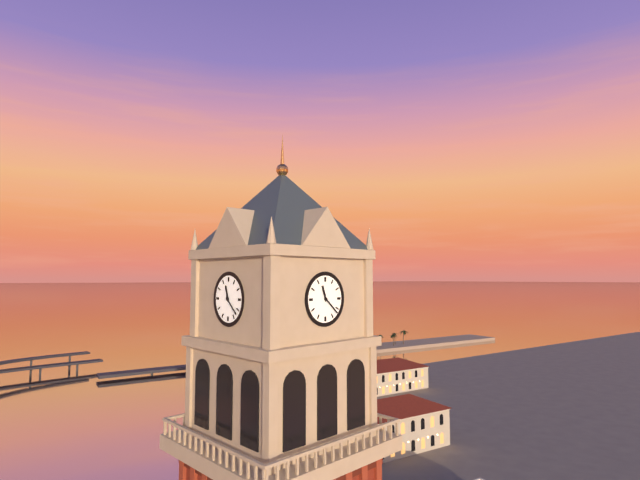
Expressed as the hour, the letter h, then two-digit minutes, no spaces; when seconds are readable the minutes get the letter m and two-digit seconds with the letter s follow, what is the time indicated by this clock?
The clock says 11h22
